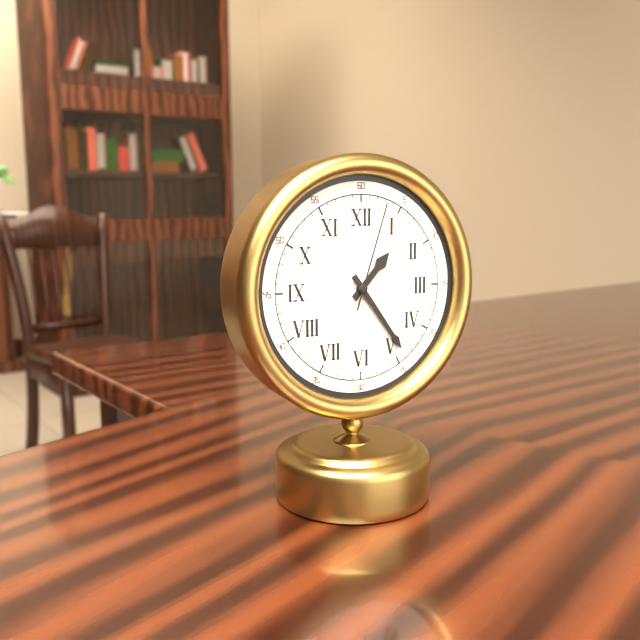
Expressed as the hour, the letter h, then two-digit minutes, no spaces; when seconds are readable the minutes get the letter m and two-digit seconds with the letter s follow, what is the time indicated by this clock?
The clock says 1h24m03s
